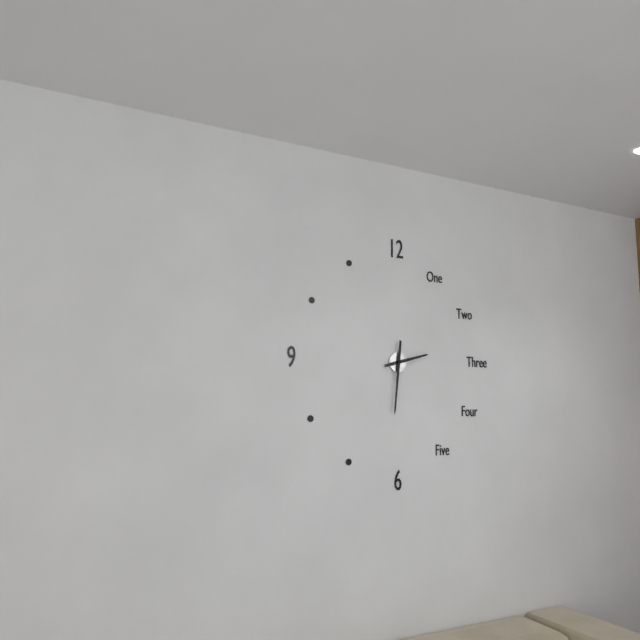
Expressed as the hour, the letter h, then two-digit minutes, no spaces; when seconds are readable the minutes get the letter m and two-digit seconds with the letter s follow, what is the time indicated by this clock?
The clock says 2h31
